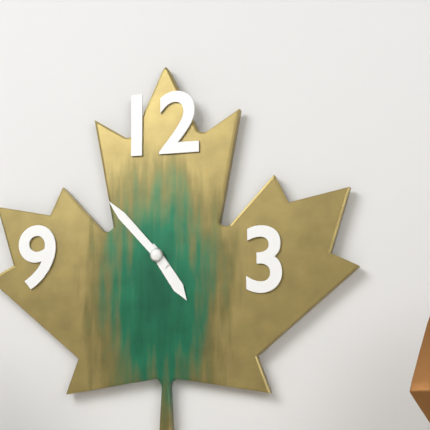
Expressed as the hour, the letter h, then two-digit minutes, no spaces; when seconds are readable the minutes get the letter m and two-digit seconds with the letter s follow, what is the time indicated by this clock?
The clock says 4h53
